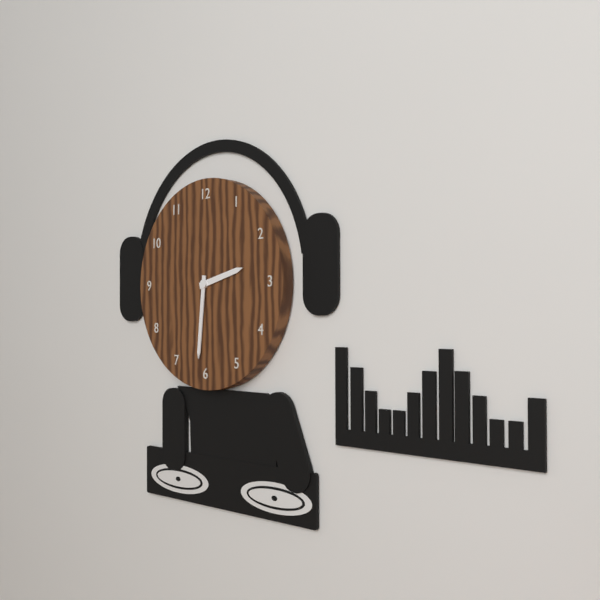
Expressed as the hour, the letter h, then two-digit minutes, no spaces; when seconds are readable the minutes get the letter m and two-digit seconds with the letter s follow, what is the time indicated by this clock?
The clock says 2h31
